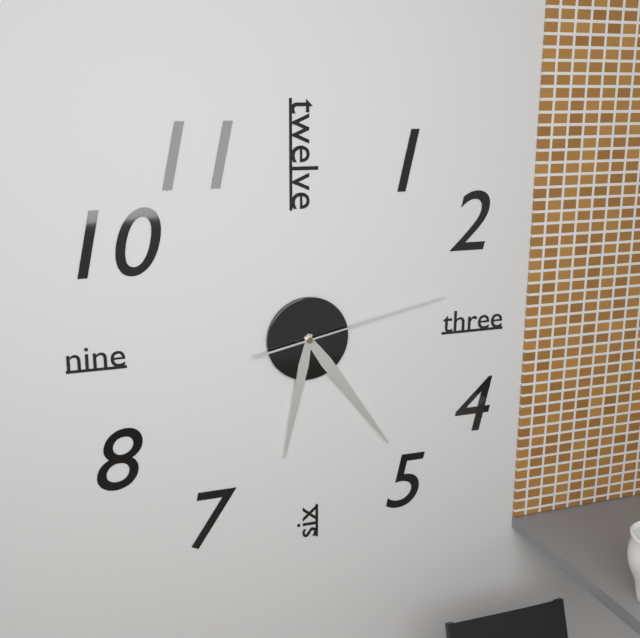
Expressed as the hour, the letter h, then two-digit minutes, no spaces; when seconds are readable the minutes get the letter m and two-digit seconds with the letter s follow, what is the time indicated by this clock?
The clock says 6h24m13s
